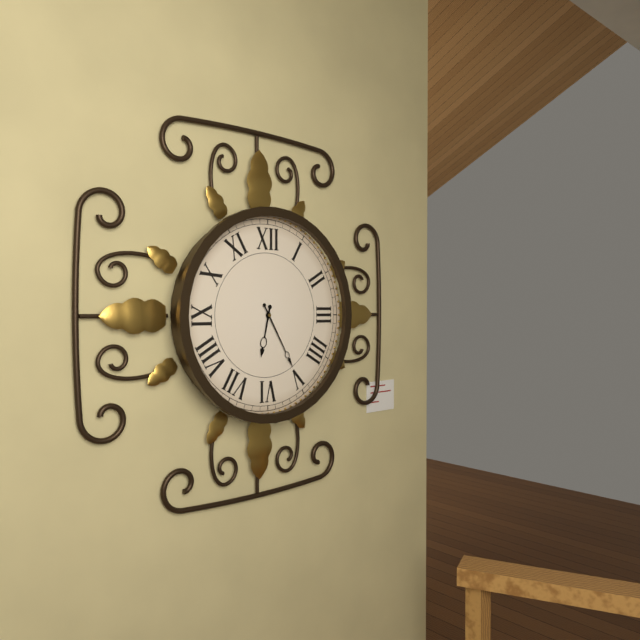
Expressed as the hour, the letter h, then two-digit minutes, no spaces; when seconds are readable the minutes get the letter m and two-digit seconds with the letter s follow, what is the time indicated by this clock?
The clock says 6h25
